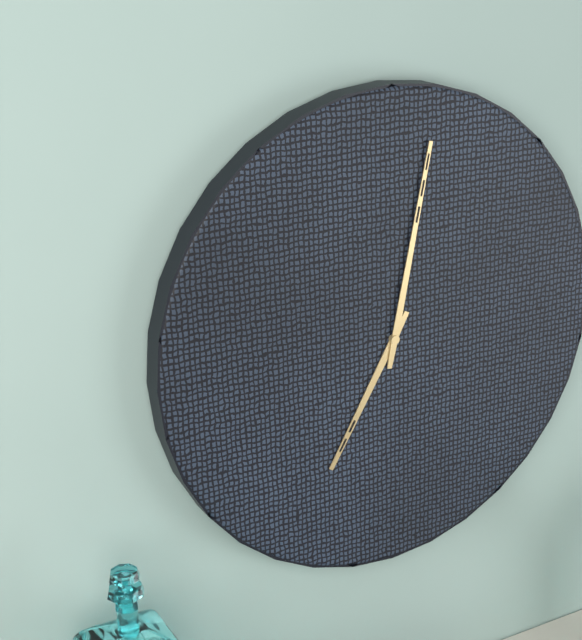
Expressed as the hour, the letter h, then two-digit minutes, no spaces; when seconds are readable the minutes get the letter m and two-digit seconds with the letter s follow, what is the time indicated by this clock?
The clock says 7h02
